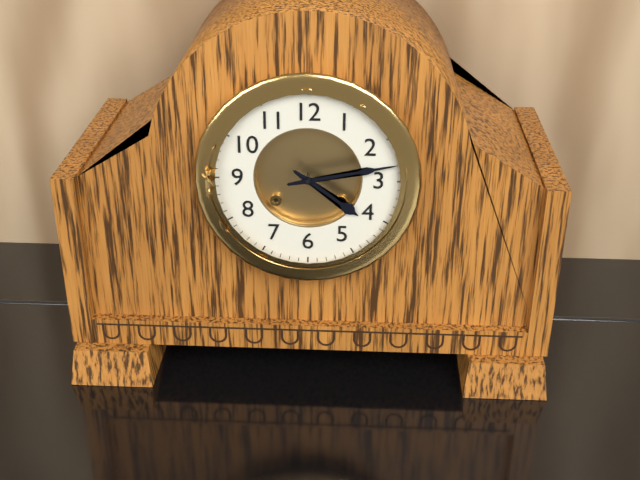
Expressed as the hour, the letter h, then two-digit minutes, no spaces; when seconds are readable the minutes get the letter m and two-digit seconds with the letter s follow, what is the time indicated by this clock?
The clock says 4h13
